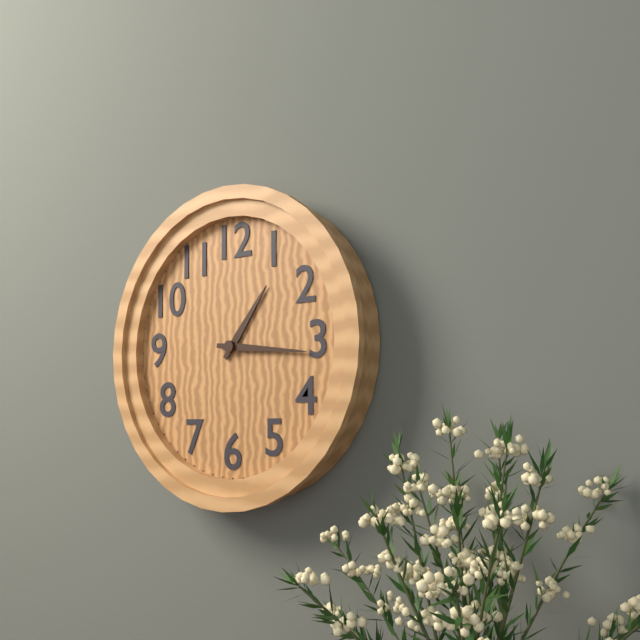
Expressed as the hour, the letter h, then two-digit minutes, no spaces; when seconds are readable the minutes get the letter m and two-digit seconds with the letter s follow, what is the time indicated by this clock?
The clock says 1h16
